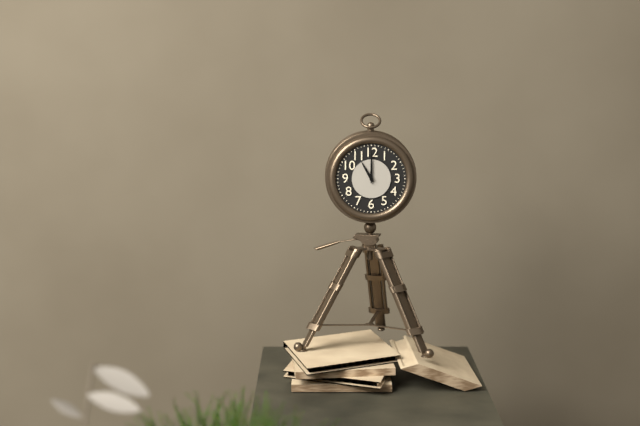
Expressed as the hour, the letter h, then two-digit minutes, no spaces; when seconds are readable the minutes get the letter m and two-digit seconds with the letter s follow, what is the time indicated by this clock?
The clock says 11h00
